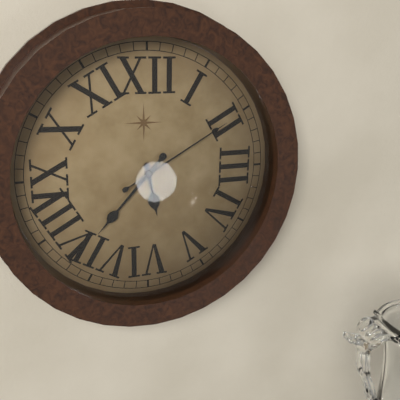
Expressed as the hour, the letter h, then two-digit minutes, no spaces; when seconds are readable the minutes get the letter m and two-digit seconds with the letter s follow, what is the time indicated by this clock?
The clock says 5h37m10s
